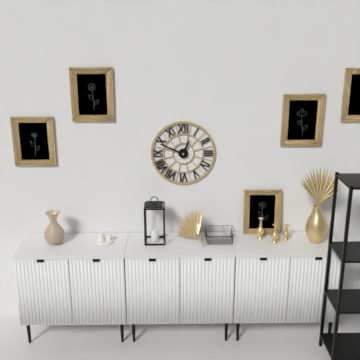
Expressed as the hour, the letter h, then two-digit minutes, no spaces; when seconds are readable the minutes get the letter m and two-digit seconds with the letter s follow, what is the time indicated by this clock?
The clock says 12h49
